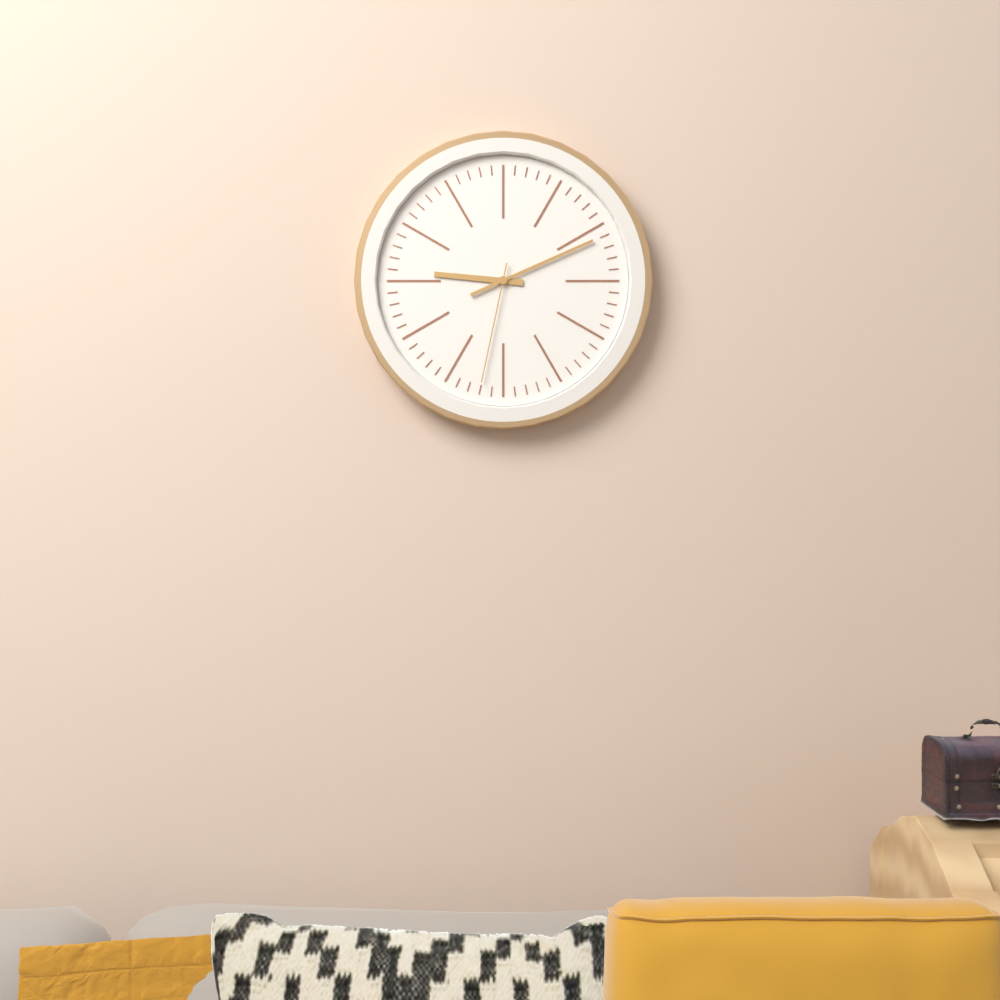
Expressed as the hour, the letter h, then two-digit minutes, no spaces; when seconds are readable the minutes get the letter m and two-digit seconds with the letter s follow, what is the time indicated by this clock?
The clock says 9h11m32s
